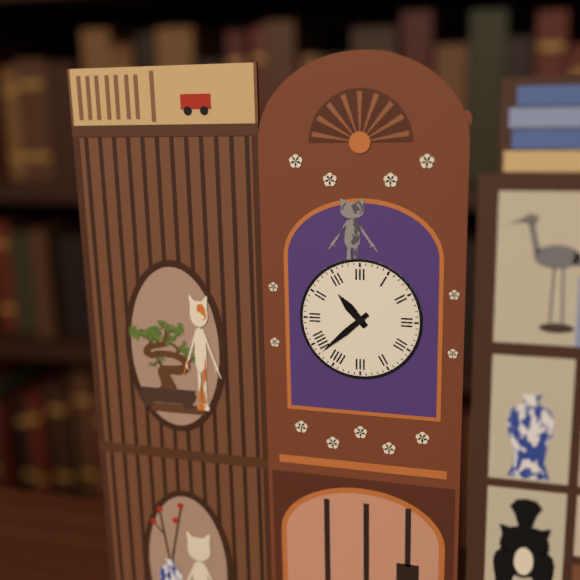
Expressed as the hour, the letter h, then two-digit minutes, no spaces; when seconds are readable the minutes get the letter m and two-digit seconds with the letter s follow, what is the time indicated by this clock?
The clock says 10h38
